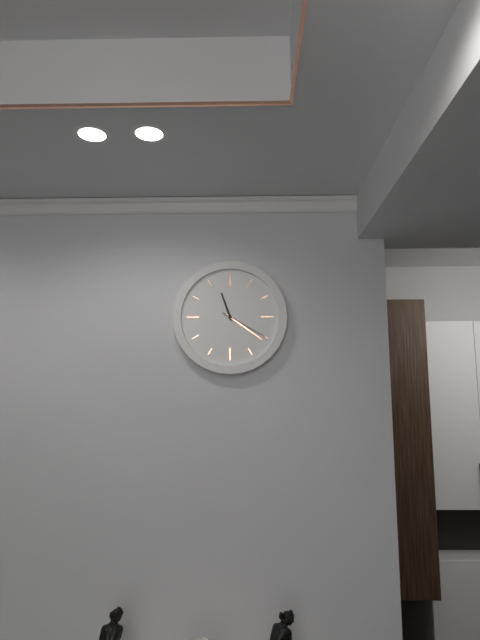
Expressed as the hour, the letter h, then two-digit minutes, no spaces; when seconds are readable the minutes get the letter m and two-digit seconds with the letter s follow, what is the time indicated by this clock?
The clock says 11h21m20s
